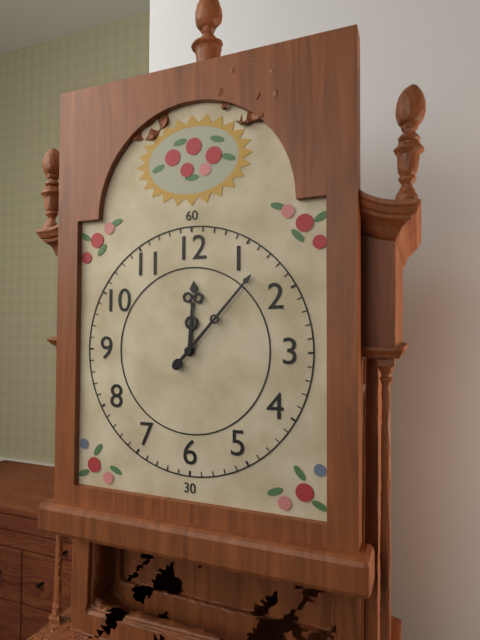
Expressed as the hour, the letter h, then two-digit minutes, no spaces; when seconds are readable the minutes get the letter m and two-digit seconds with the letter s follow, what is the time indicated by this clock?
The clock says 12h07
